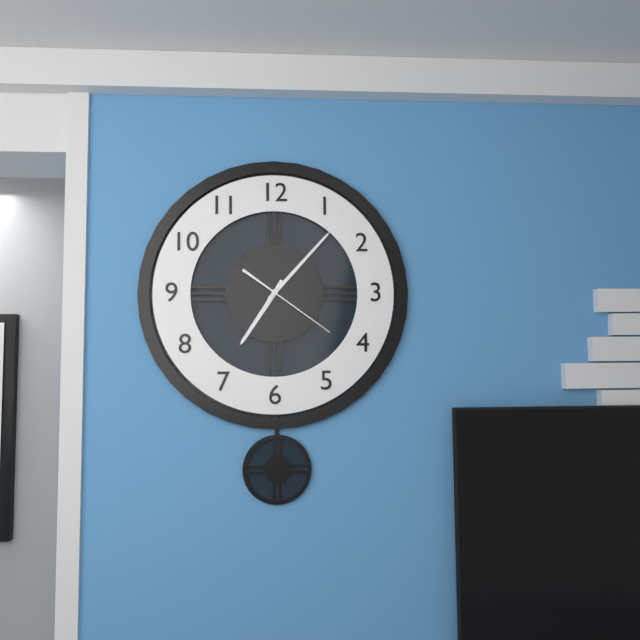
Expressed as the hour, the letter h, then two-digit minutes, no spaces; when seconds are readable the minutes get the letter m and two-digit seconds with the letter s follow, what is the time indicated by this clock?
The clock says 7h07m21s
